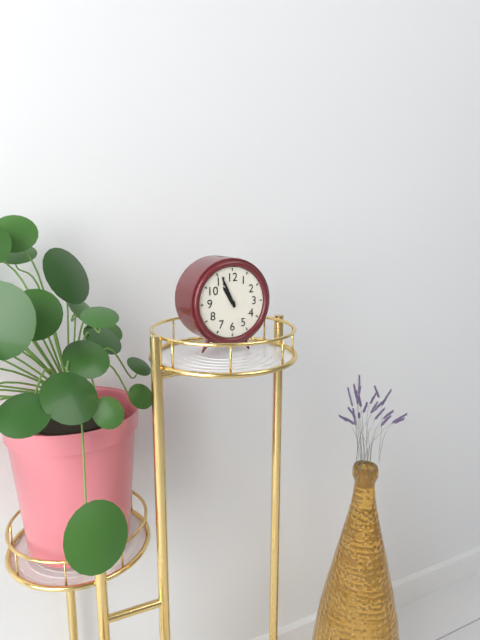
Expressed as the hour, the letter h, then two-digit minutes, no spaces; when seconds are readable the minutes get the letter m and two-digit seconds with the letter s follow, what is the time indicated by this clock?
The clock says 10h56
